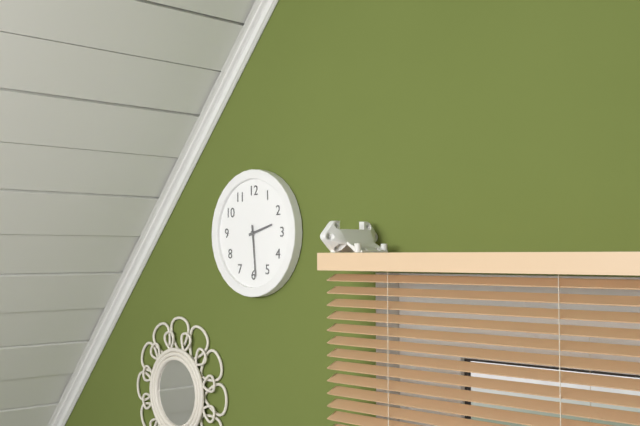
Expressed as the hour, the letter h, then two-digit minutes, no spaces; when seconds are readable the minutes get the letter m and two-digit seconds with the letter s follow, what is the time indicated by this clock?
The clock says 2h29
